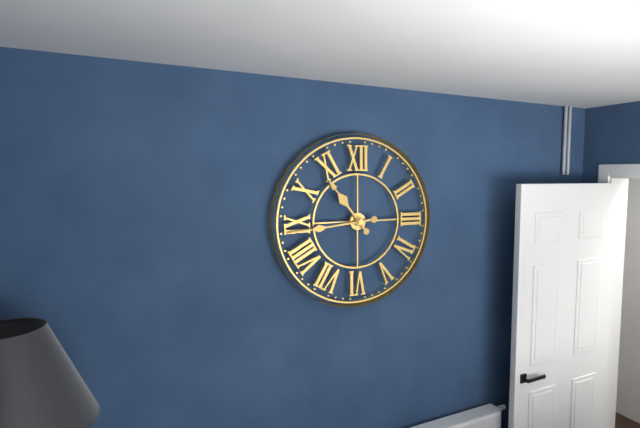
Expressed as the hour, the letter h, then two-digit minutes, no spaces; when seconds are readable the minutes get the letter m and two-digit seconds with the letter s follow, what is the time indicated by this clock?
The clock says 10h44
